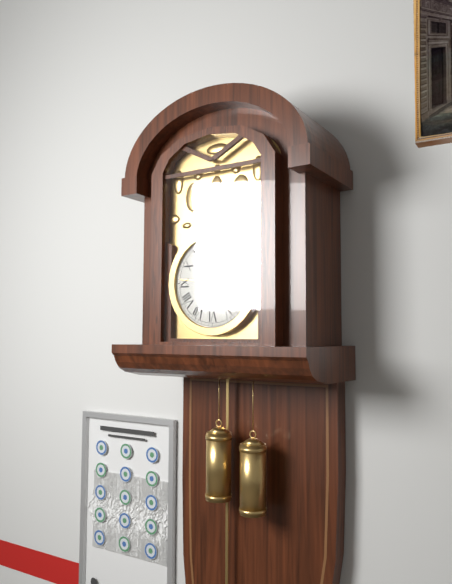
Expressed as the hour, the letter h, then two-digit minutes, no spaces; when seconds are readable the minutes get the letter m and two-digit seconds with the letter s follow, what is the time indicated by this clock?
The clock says 3h46
